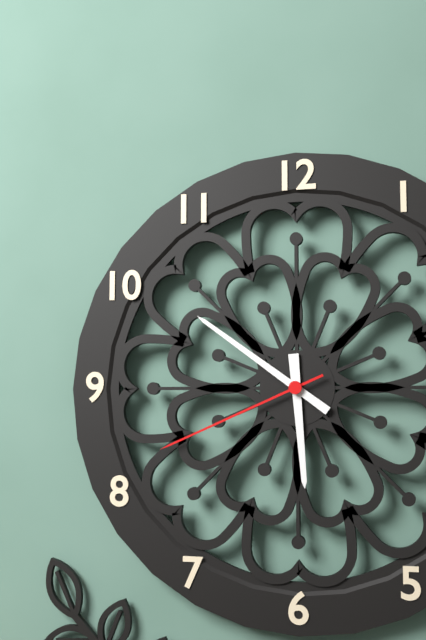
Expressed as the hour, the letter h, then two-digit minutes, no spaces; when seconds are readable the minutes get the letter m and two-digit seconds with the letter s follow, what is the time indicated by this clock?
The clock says 5h51m41s
